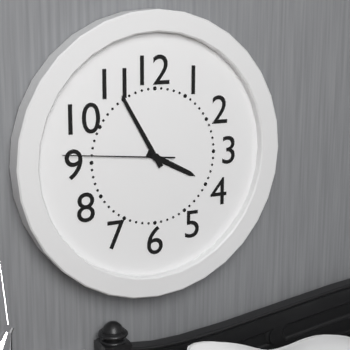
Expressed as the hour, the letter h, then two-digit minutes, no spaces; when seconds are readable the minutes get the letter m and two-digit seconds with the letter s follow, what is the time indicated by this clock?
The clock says 3h55m46s
